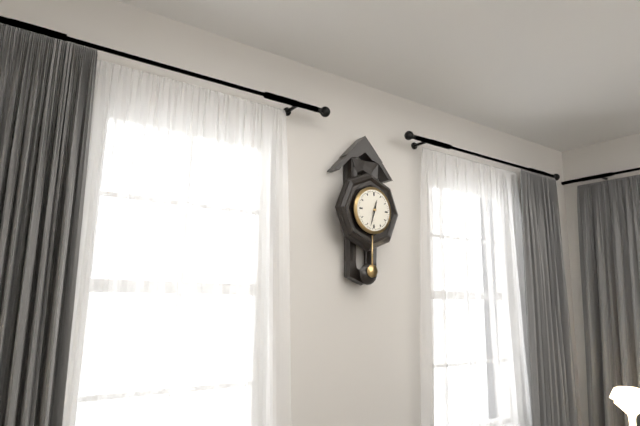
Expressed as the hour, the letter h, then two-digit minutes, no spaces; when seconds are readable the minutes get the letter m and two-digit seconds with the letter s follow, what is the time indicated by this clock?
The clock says 12h33
